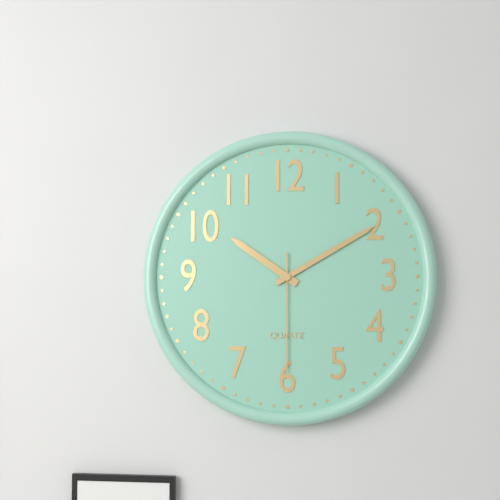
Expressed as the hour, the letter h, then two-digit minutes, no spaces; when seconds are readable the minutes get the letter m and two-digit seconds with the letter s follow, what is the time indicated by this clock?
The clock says 10h10m30s
